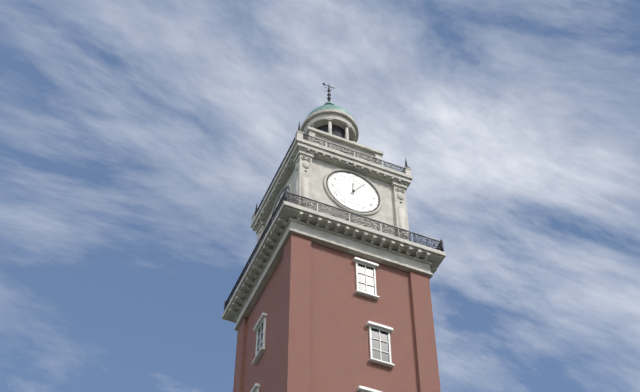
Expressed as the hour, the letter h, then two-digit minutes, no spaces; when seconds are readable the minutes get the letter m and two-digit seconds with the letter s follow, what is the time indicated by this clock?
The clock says 12h06
